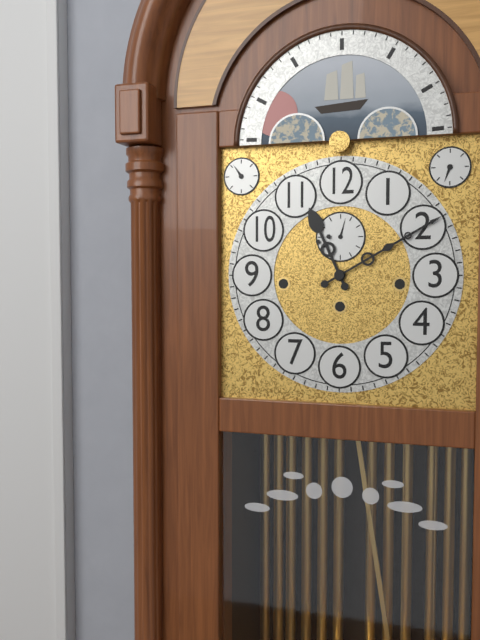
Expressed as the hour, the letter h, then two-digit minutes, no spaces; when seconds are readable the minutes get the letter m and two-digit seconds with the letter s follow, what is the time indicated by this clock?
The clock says 11h10
